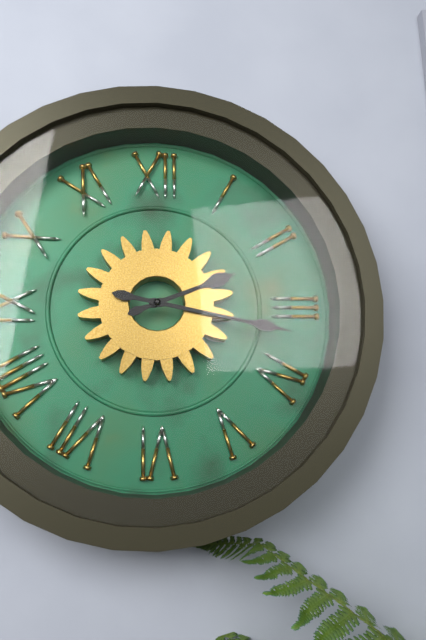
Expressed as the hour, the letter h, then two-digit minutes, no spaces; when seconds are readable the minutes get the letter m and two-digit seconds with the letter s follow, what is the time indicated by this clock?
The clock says 2h17
